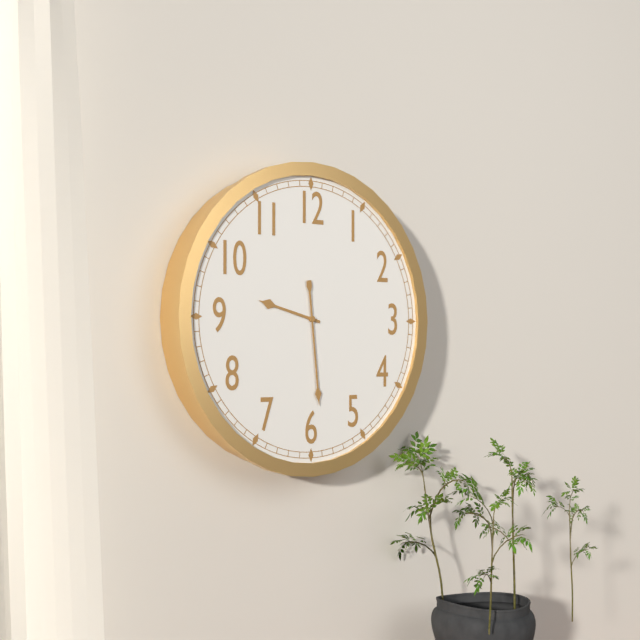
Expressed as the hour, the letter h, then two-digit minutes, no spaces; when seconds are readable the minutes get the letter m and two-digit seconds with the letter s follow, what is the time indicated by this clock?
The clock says 9h29
